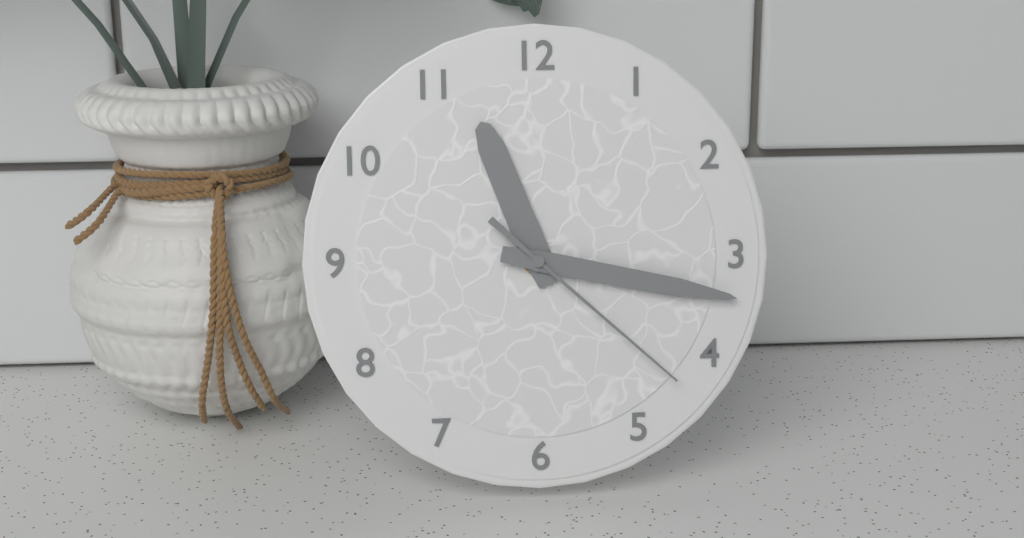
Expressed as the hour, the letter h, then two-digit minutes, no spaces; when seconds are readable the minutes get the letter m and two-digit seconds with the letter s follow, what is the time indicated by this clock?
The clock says 11h17m22s
